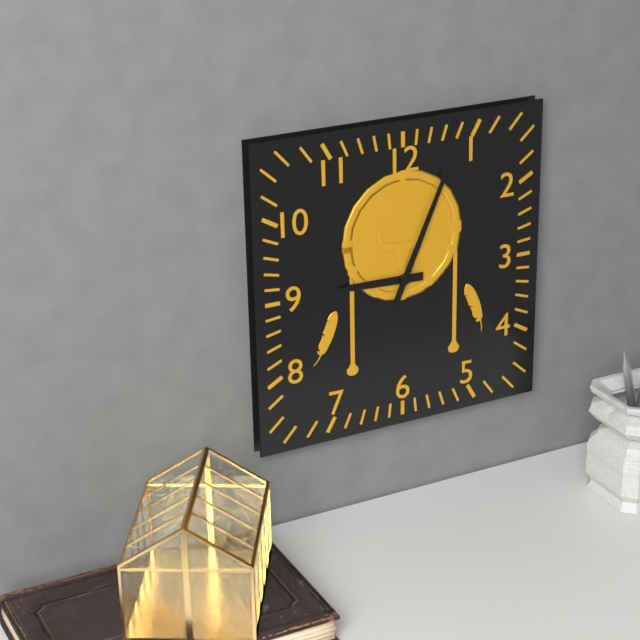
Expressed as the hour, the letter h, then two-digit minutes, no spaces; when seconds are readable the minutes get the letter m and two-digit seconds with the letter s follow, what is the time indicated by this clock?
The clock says 9h04
